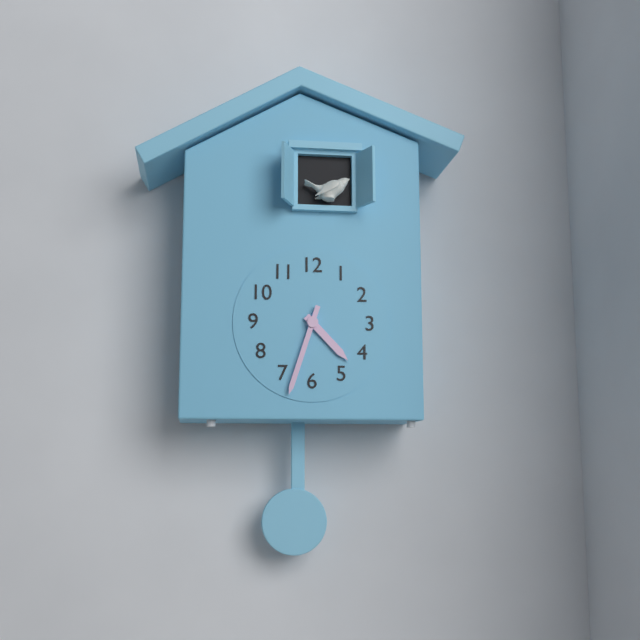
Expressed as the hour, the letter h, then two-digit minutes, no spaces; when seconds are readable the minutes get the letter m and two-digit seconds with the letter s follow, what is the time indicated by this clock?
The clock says 4h33
